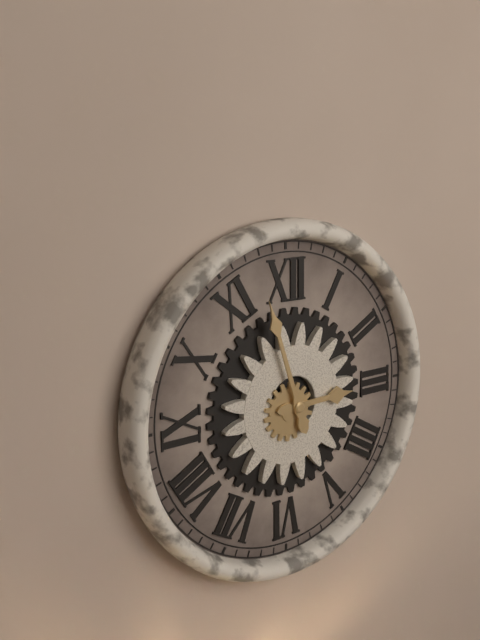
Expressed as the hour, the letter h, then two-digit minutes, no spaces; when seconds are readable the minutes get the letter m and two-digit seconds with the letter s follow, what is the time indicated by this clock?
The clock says 2h57
